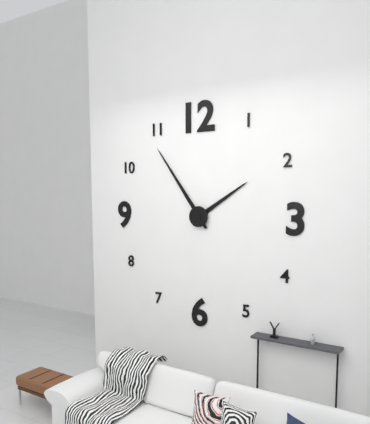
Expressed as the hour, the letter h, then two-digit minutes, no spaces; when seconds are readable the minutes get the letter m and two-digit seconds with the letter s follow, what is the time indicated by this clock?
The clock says 1h54
